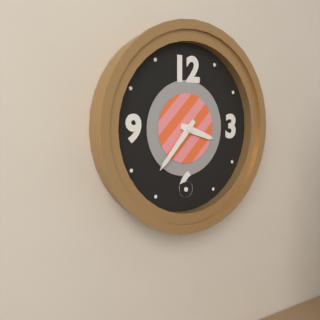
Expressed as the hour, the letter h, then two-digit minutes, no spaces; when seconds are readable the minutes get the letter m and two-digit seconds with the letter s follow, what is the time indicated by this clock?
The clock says 3h37
